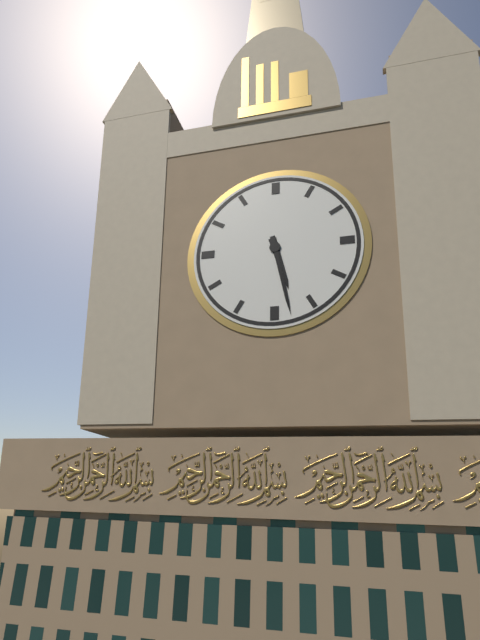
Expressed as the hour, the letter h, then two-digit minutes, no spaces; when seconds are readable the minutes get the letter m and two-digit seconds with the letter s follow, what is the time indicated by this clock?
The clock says 5h28
